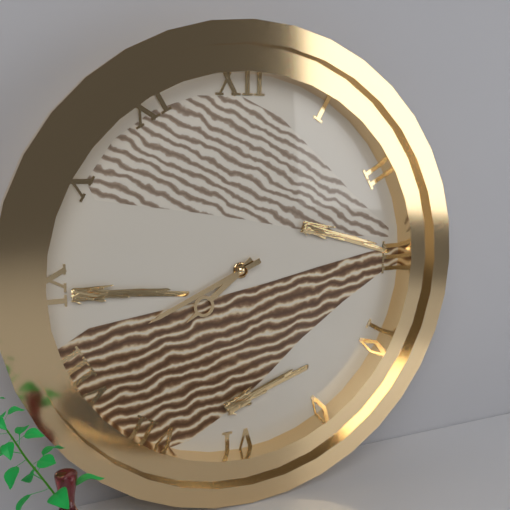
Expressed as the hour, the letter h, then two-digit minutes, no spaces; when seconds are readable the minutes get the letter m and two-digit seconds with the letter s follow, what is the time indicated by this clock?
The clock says 7h41
